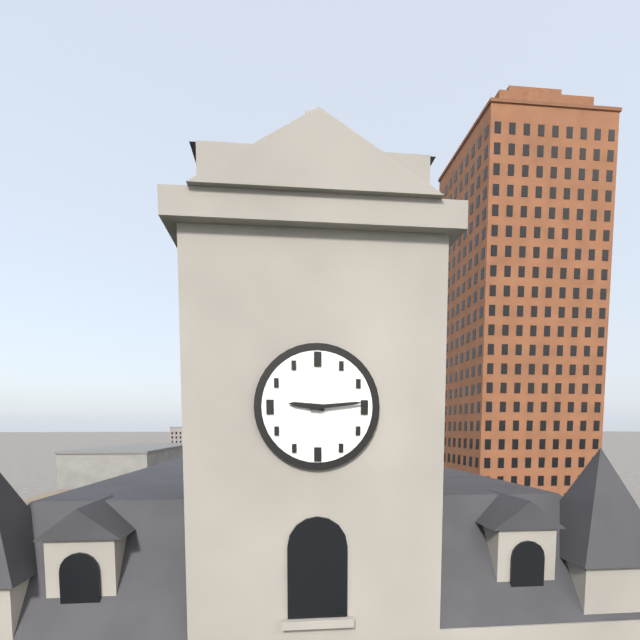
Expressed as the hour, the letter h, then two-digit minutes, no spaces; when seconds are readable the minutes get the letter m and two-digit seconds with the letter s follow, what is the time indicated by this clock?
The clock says 9h14
